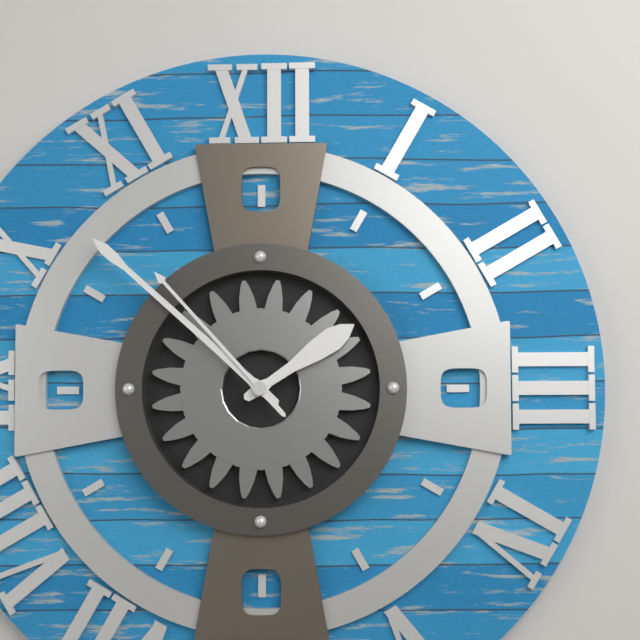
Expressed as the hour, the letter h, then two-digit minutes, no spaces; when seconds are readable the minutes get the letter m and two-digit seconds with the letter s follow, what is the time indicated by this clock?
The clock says 1h52m53s
